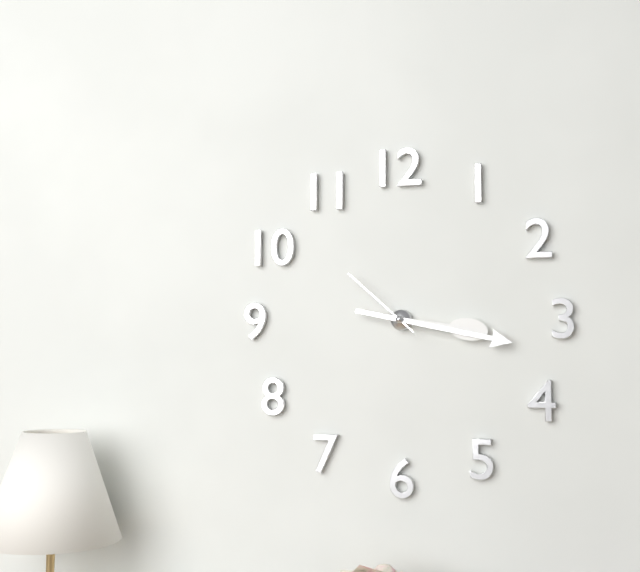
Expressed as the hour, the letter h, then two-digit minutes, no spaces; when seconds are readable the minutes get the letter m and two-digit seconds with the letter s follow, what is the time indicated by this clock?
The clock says 3h17m52s
